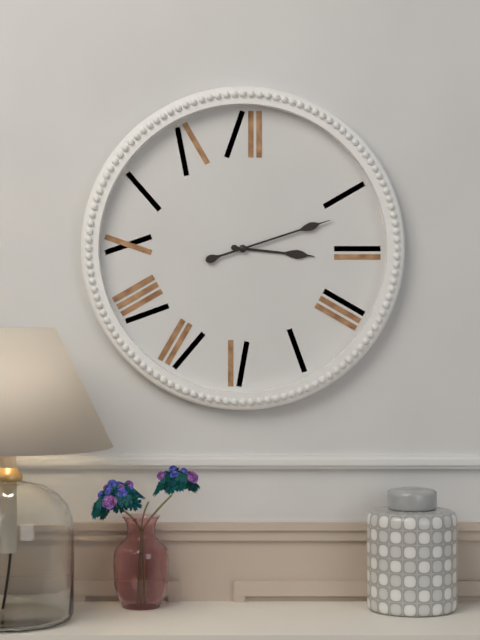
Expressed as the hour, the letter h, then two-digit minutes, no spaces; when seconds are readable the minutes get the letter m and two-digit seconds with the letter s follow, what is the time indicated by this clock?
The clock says 3h12
